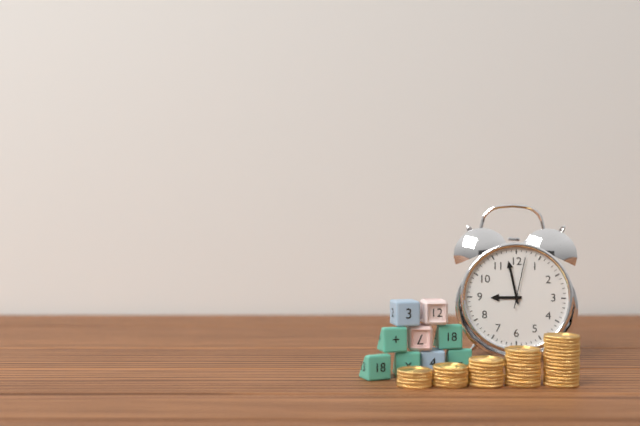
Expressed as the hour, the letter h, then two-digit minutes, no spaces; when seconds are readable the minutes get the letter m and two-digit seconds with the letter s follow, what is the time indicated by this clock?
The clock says 8h58m02s
